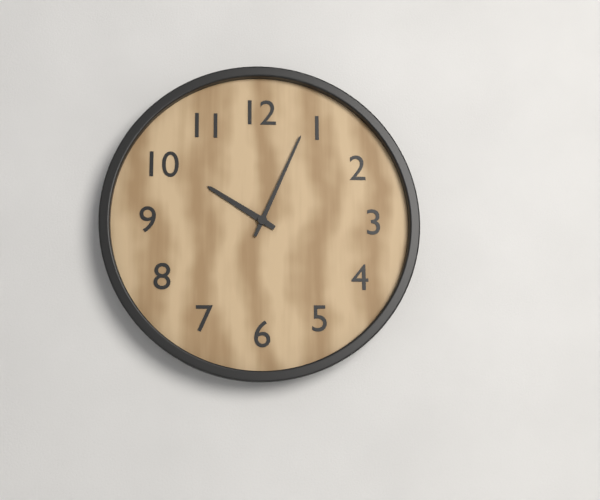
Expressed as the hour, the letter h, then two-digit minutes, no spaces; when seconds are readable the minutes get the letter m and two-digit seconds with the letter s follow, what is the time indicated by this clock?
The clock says 10h04
